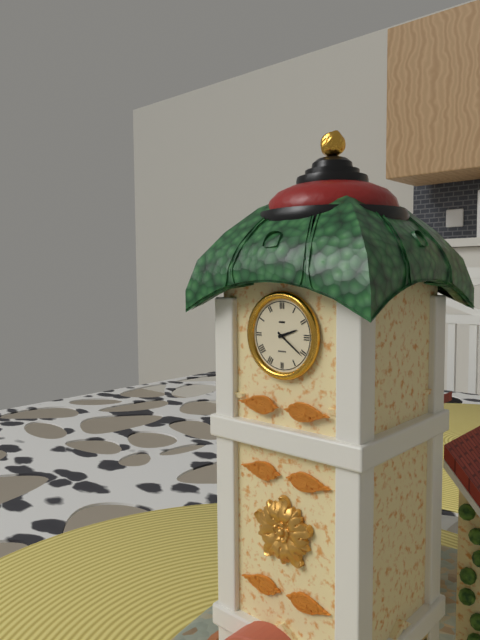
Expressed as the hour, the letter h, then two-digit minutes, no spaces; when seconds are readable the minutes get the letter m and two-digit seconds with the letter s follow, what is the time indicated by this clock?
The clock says 2h21
